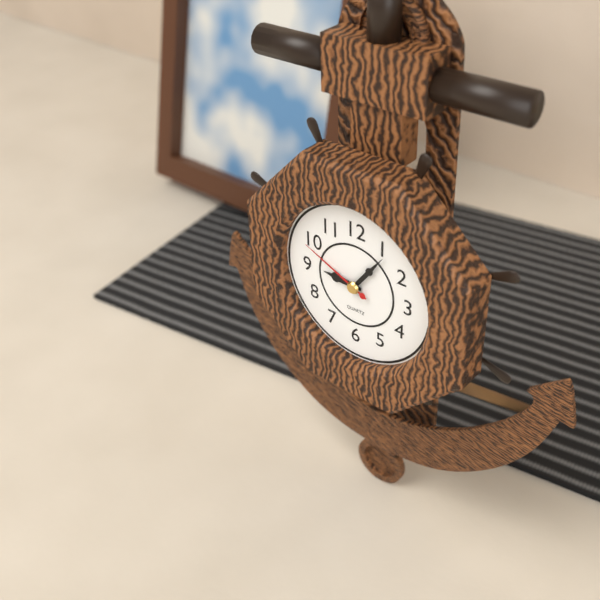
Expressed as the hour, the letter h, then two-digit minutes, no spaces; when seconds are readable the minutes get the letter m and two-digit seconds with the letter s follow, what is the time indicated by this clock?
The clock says 9h06m49s
